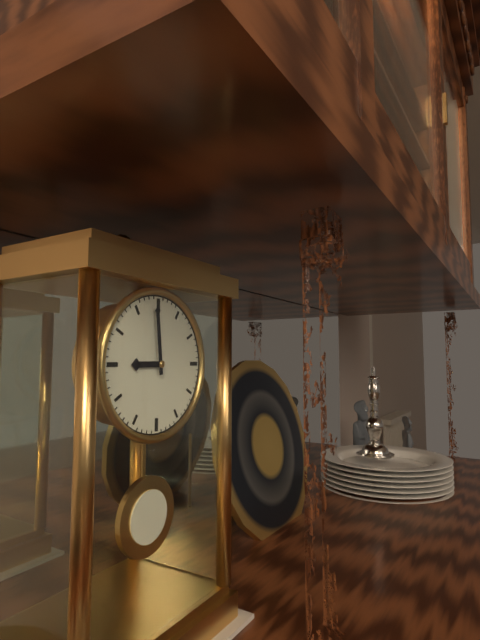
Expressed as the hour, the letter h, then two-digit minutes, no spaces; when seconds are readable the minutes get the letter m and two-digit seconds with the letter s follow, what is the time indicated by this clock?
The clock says 8h59
